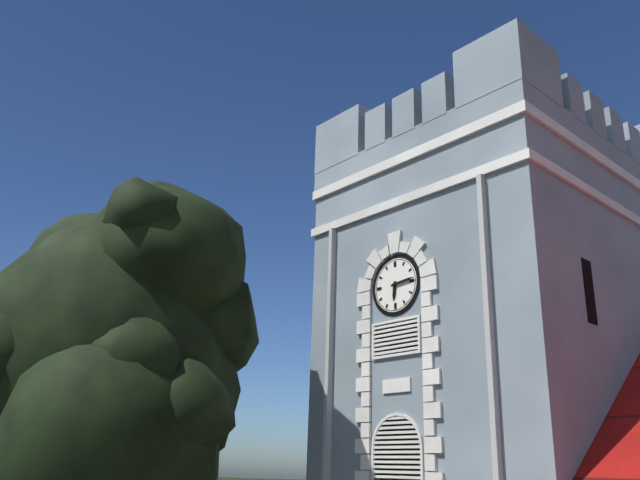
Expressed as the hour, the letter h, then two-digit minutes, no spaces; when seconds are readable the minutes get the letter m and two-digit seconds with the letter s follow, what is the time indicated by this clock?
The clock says 6h14
